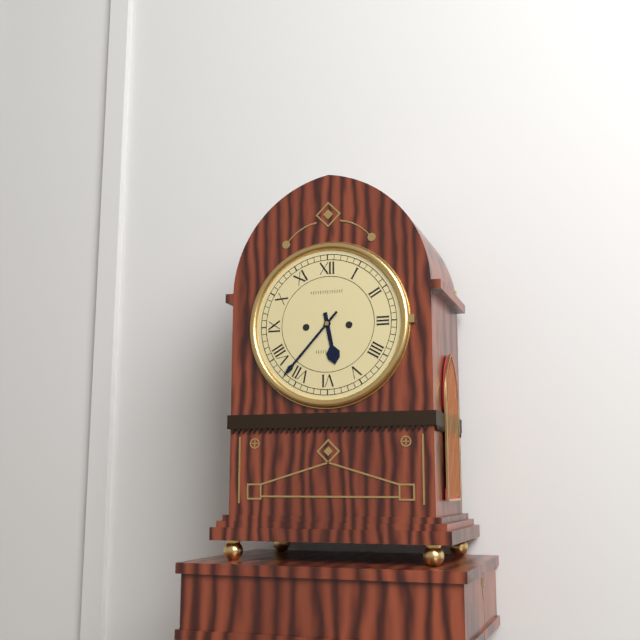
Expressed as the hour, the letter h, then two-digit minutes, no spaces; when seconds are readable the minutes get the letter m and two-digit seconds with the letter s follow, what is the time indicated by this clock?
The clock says 5h37
